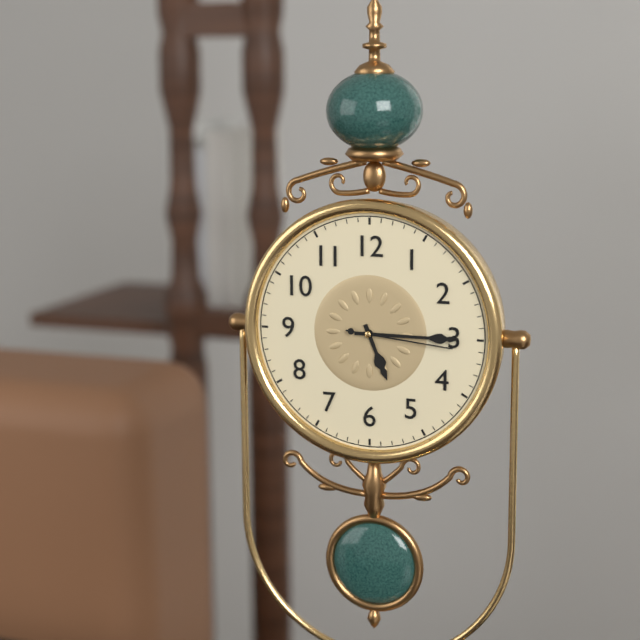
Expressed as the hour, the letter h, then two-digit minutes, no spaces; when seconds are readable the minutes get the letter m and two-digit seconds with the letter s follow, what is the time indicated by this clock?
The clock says 5h15m16s
